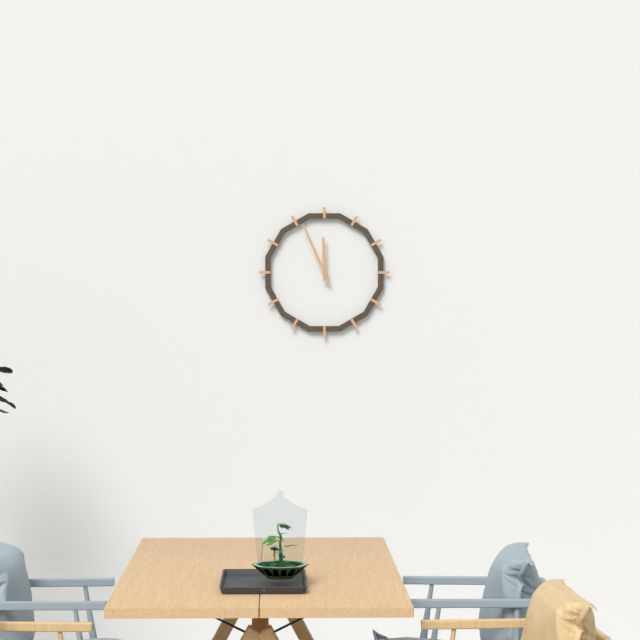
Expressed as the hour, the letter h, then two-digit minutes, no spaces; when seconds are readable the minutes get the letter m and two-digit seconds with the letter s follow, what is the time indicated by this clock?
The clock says 11h56
